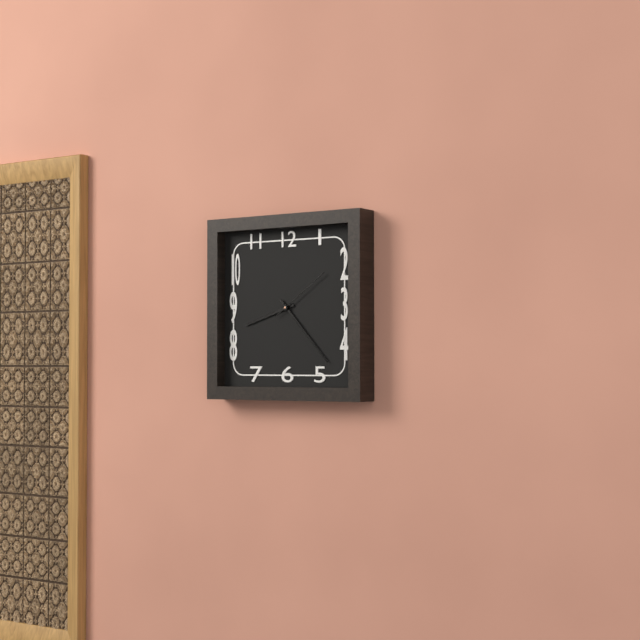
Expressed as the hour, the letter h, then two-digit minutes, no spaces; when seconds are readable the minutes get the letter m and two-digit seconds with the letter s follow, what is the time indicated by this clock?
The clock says 8h23m09s
